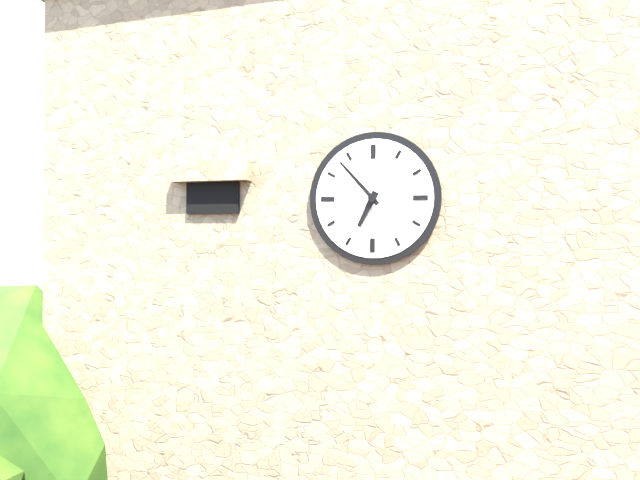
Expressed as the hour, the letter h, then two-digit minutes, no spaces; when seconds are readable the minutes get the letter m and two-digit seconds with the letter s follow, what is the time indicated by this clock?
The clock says 6h53
